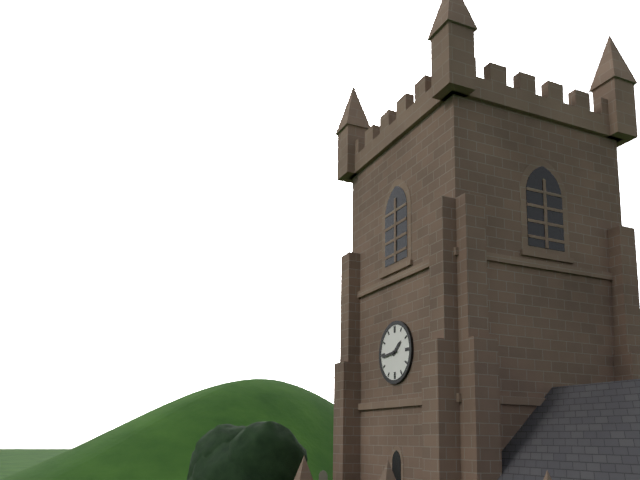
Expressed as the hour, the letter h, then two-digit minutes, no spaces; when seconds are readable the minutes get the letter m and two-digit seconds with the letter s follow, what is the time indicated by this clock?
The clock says 1h44
